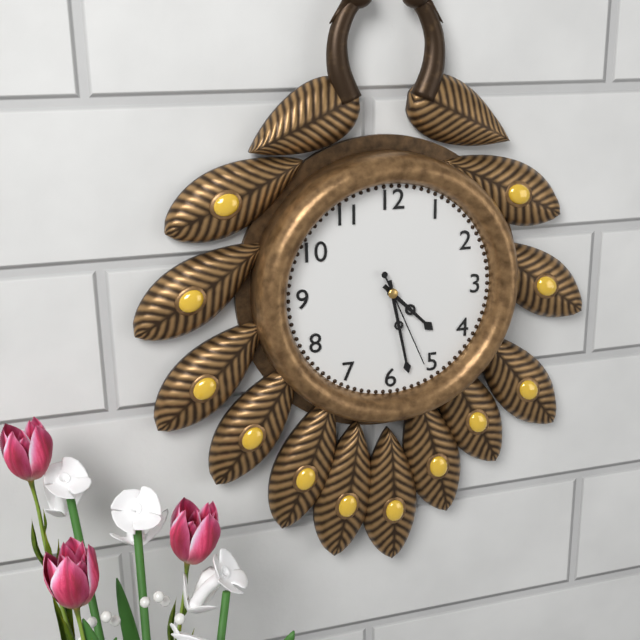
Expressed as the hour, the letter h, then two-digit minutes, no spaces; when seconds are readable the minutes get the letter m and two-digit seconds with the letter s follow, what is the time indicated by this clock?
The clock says 4h28m26s
